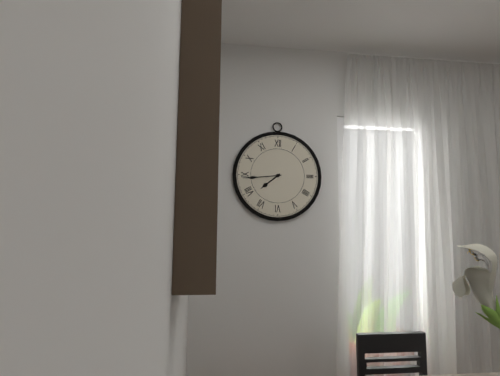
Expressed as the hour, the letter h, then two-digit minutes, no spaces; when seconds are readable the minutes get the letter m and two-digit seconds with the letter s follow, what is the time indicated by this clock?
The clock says 7h44
